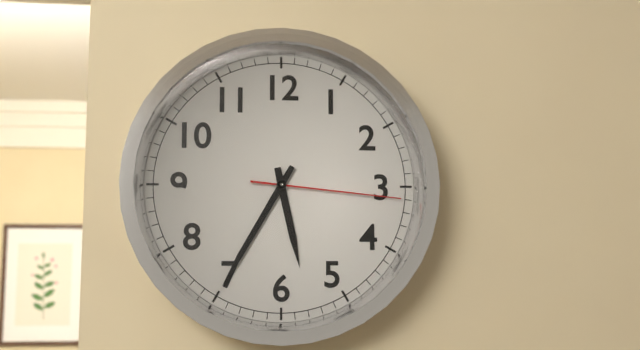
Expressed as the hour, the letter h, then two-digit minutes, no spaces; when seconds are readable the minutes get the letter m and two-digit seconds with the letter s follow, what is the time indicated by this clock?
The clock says 5h35m16s
